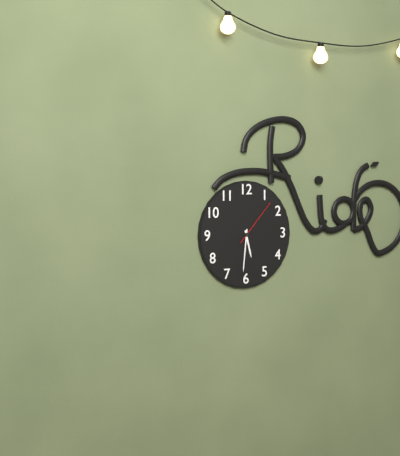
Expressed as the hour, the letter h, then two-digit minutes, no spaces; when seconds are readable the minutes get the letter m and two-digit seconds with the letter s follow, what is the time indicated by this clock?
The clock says 5h31m07s
